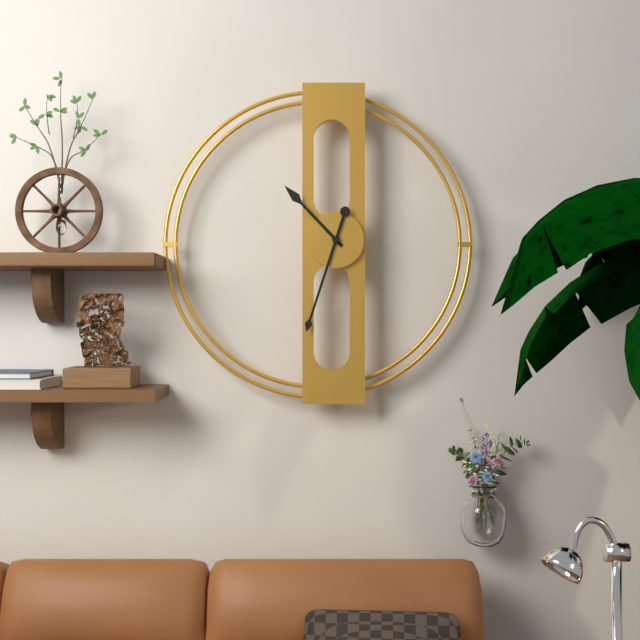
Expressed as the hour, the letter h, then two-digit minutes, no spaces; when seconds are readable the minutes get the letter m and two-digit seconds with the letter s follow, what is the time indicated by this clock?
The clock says 10h33
